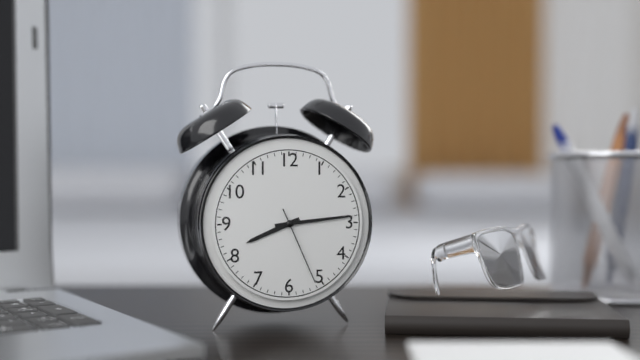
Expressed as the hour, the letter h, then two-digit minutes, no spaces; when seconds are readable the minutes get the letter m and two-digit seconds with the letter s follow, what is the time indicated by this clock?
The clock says 8h14m26s
